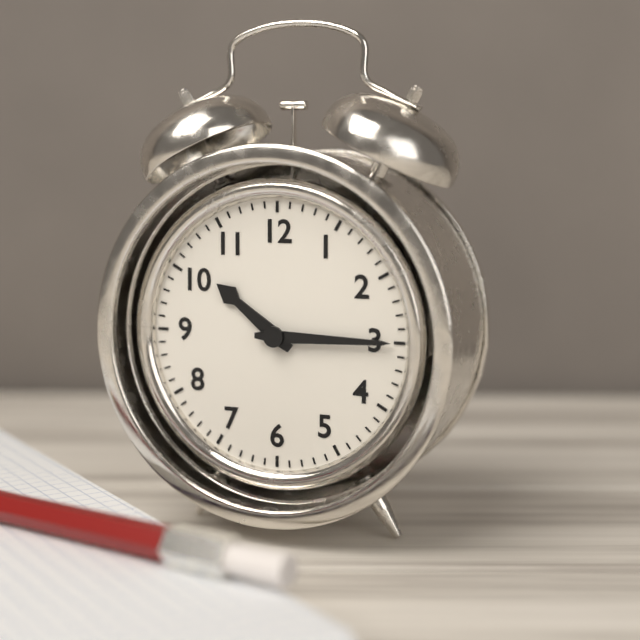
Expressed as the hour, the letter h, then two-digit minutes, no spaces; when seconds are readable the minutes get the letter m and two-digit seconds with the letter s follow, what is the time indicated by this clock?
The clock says 10h15
